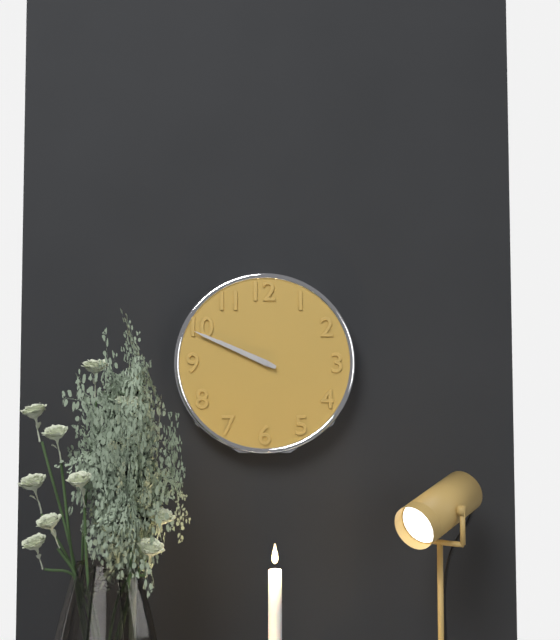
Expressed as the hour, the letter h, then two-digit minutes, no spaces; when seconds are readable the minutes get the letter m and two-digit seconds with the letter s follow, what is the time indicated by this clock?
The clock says 9h49
